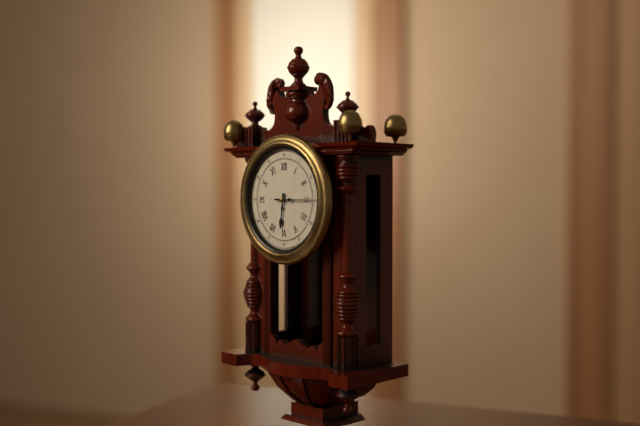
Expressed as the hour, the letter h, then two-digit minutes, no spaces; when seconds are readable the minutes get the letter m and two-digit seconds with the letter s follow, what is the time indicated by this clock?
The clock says 6h15
